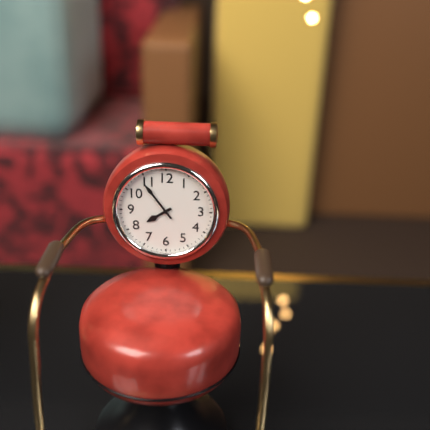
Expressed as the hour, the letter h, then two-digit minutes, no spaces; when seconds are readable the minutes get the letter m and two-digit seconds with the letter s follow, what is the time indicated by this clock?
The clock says 7h54
